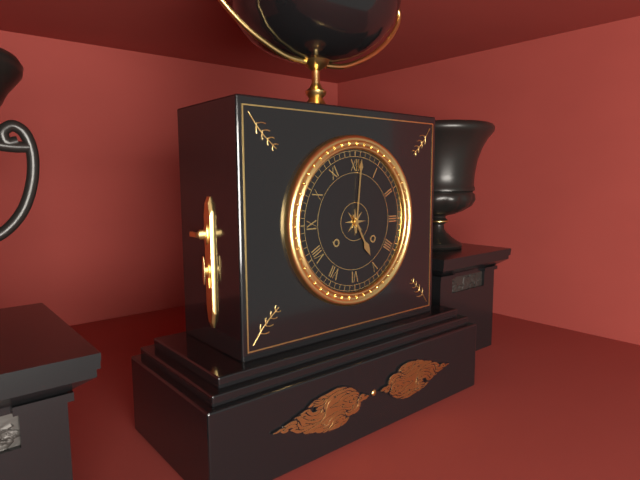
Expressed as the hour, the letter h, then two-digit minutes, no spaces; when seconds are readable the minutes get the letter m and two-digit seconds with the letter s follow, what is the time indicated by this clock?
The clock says 5h01
